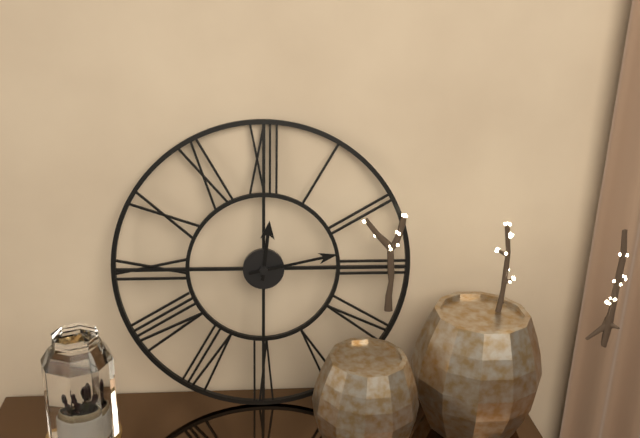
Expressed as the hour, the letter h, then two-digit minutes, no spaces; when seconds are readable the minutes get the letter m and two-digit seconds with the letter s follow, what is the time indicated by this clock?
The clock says 12h13
